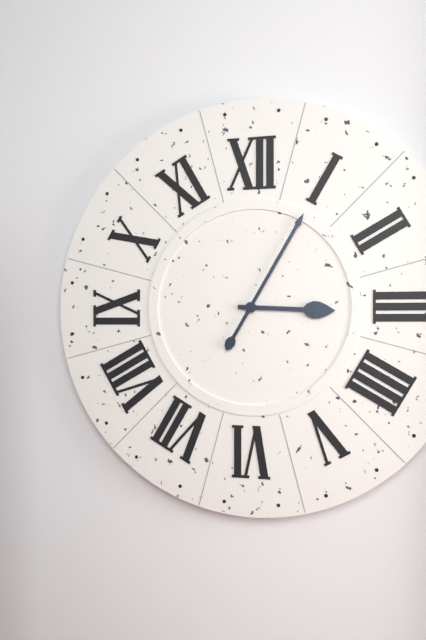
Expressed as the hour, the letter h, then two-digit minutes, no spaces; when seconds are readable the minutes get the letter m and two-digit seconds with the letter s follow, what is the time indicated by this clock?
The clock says 3h05
